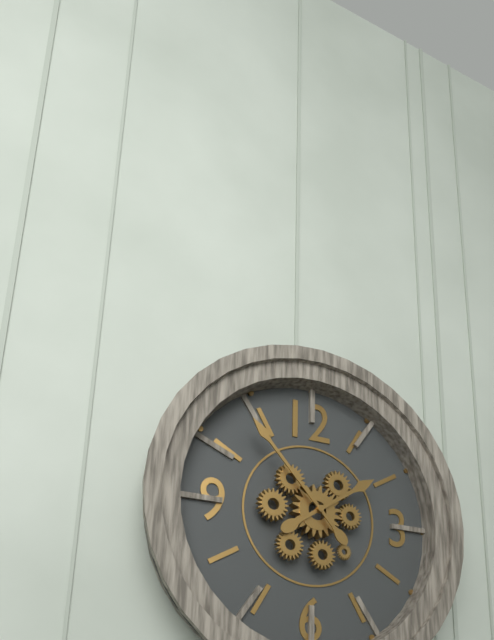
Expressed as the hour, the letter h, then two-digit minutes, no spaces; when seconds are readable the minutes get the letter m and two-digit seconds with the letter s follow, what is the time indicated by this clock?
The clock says 1h53
